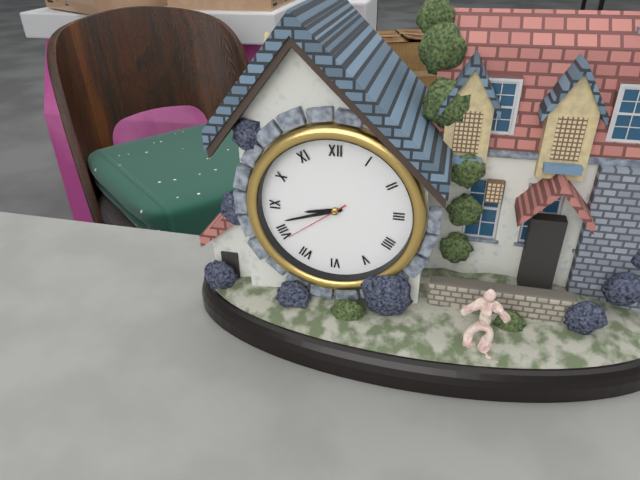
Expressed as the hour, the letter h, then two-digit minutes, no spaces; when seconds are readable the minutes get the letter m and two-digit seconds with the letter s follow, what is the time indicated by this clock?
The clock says 8h42m39s
